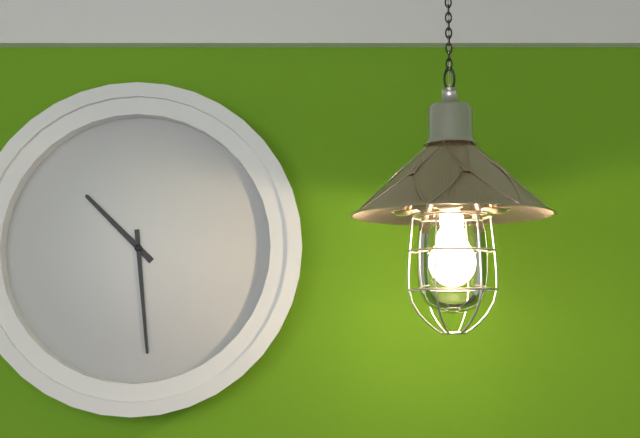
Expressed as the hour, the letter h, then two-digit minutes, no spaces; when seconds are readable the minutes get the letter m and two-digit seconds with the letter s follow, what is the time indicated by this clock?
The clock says 10h29
